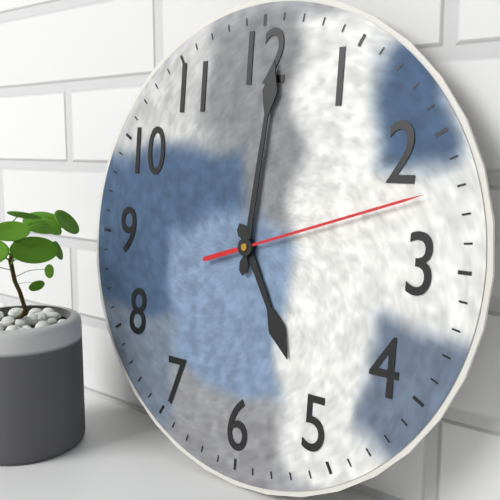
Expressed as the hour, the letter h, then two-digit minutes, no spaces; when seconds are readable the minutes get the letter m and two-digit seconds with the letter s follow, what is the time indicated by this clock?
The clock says 5h01m12s
